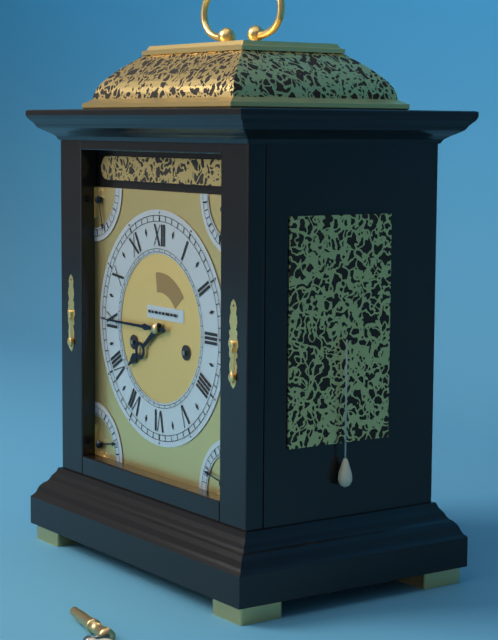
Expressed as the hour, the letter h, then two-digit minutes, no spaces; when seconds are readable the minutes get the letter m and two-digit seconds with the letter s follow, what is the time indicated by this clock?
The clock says 7h45
